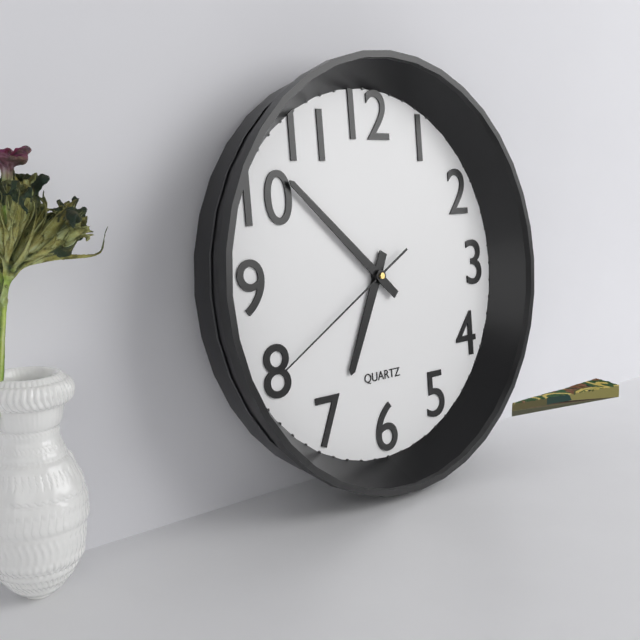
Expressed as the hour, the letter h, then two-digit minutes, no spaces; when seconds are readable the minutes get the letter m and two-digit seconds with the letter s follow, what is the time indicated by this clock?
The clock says 6h52m40s
